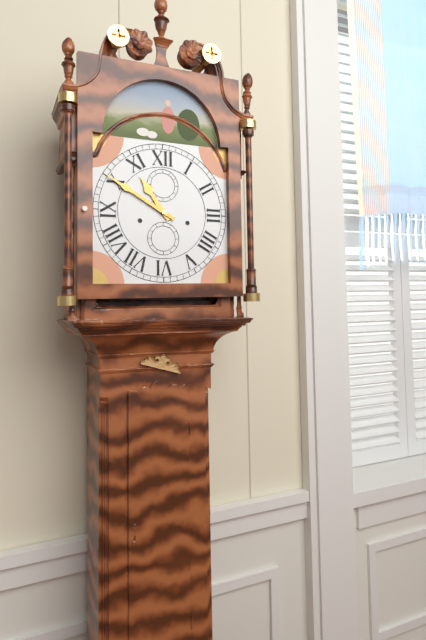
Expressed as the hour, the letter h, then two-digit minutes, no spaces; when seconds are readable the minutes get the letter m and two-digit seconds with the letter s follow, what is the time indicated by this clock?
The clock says 10h50
